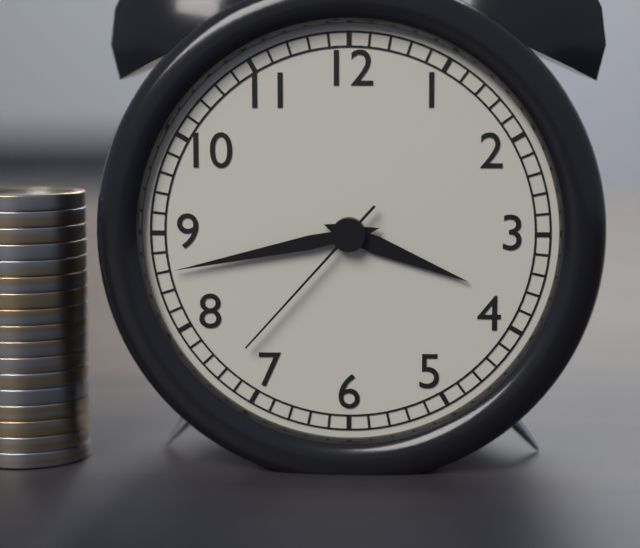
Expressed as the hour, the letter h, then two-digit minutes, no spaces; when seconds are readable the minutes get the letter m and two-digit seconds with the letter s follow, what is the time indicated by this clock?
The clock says 3h43m37s
